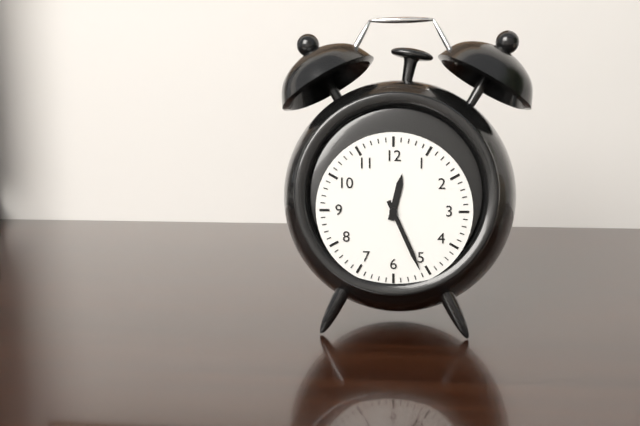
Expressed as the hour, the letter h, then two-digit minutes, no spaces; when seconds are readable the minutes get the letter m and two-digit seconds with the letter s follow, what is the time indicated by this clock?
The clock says 12h26
